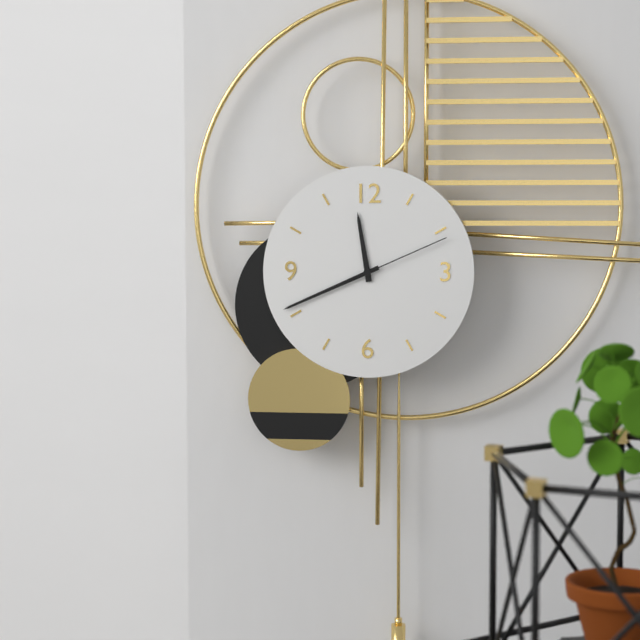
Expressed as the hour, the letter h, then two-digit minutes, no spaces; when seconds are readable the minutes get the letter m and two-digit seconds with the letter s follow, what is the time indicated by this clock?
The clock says 11h41m11s
